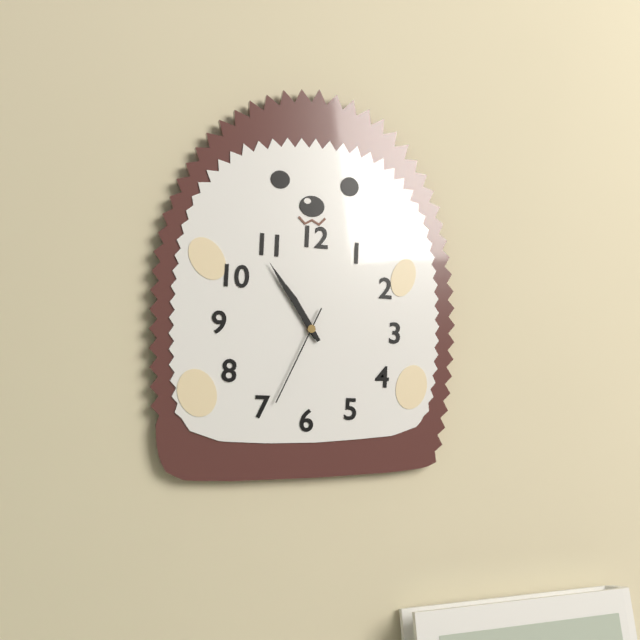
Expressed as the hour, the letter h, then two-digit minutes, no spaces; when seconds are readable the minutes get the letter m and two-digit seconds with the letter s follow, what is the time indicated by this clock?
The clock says 10h54m34s
